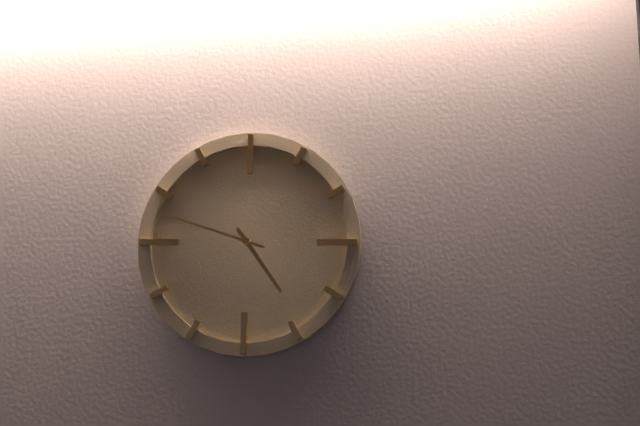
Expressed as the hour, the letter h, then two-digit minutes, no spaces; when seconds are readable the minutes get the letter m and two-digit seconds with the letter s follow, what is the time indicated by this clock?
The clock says 4h48
